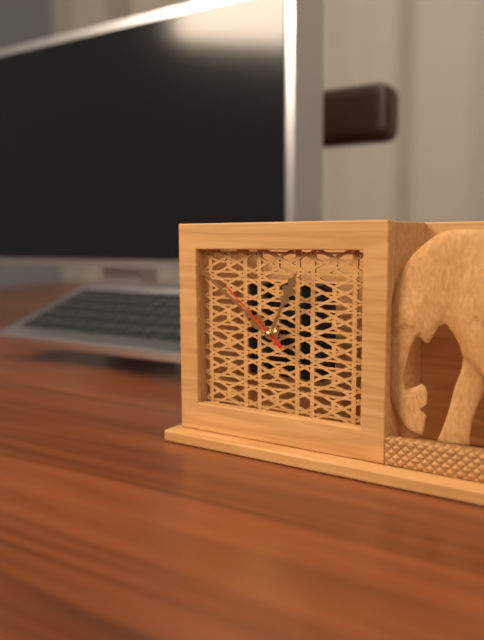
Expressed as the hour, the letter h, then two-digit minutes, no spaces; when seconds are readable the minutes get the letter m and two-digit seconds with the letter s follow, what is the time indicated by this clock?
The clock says 12h51m52s
